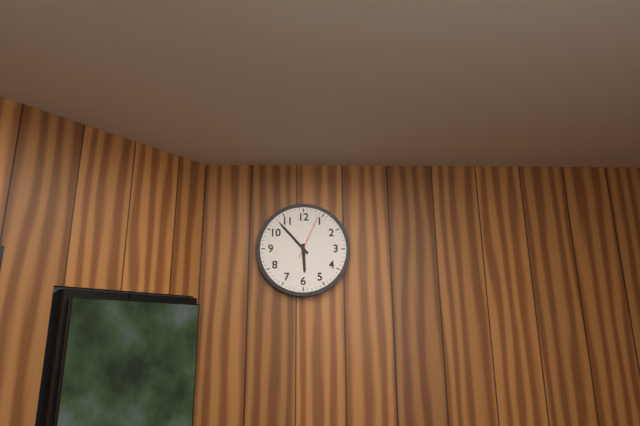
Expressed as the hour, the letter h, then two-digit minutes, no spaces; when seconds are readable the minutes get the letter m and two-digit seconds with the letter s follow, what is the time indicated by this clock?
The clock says 5h53
